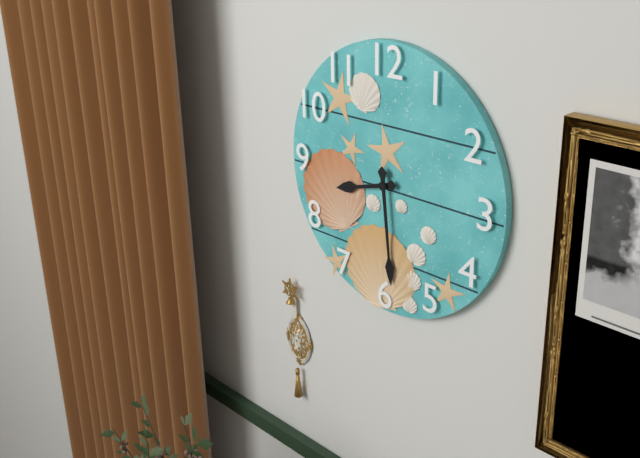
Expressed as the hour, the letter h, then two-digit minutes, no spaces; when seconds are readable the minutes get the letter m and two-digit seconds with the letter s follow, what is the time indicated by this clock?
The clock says 8h29
